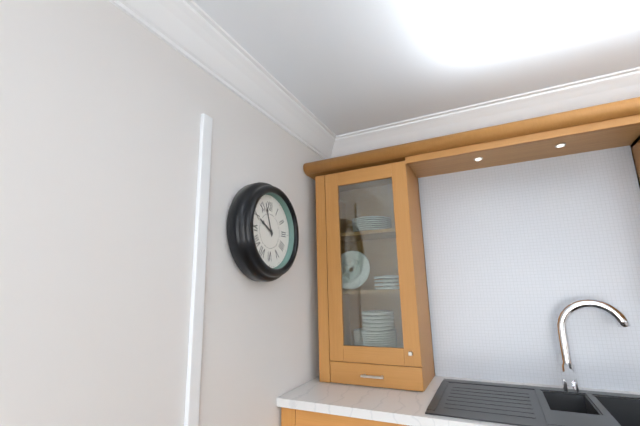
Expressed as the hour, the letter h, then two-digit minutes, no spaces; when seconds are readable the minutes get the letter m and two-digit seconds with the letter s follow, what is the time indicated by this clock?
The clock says 9h57
